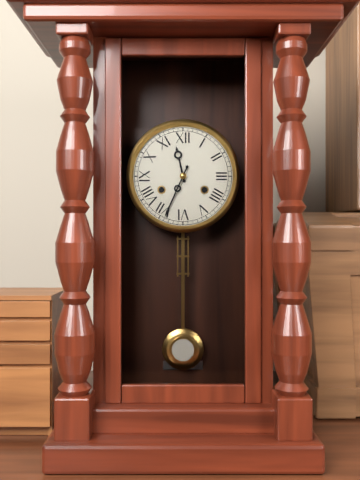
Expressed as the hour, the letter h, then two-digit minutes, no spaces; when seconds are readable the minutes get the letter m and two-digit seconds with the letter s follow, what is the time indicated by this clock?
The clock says 11h34
